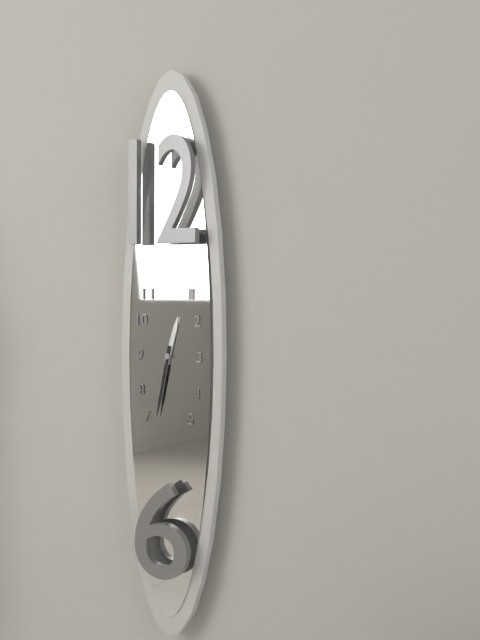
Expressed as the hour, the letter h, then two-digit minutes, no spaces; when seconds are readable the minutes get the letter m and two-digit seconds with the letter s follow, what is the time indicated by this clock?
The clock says 12h32
